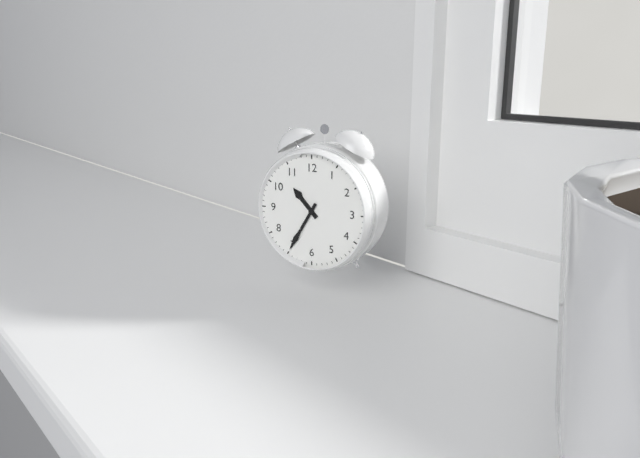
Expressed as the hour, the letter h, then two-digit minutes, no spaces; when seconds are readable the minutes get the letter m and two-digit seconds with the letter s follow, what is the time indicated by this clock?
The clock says 10h35
